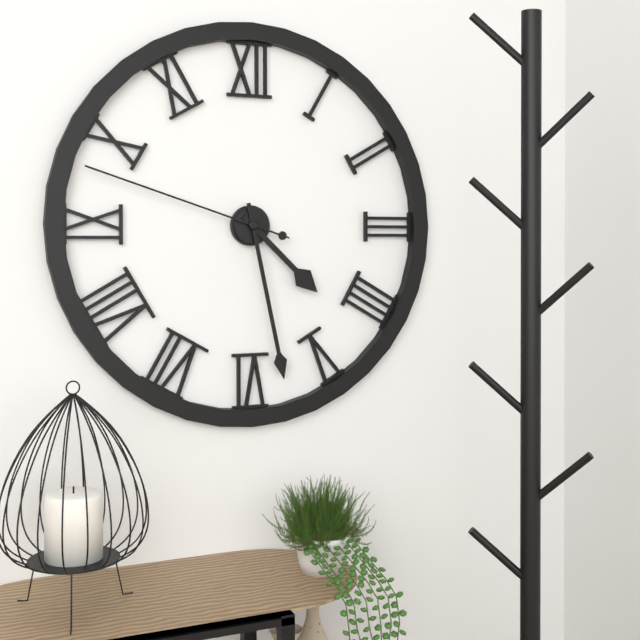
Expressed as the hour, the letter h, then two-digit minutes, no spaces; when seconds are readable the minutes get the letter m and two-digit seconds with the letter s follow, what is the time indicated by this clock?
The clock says 4h28m48s
